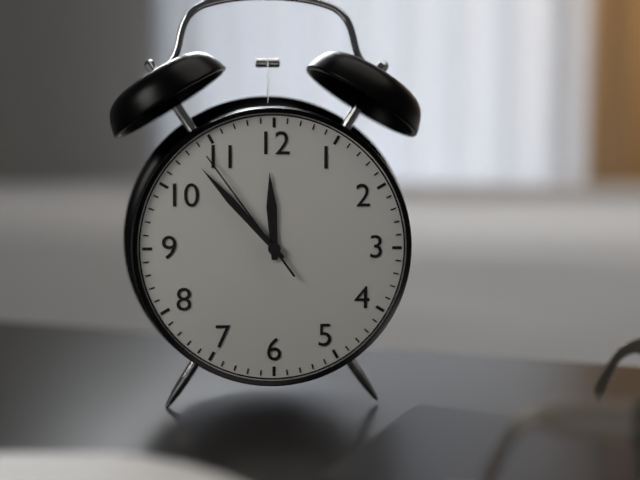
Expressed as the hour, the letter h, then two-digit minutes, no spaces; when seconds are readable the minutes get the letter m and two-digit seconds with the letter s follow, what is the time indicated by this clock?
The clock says 11h53m54s
